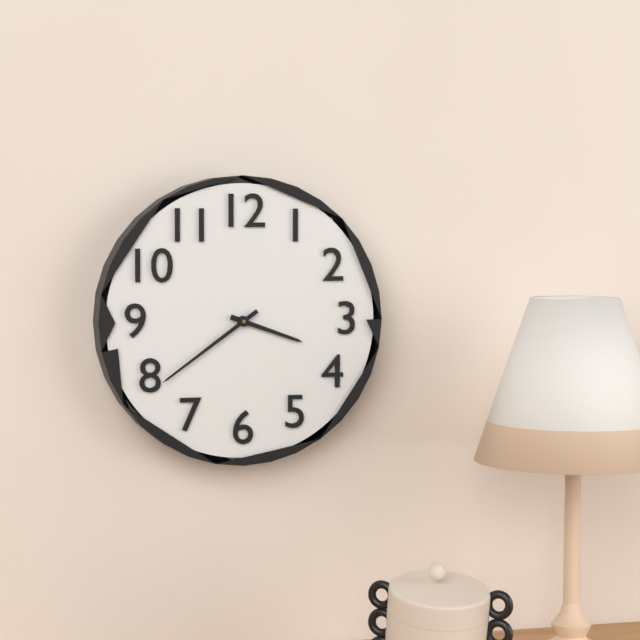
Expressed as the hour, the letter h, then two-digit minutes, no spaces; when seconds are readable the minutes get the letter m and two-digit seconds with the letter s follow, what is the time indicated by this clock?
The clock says 3h39
